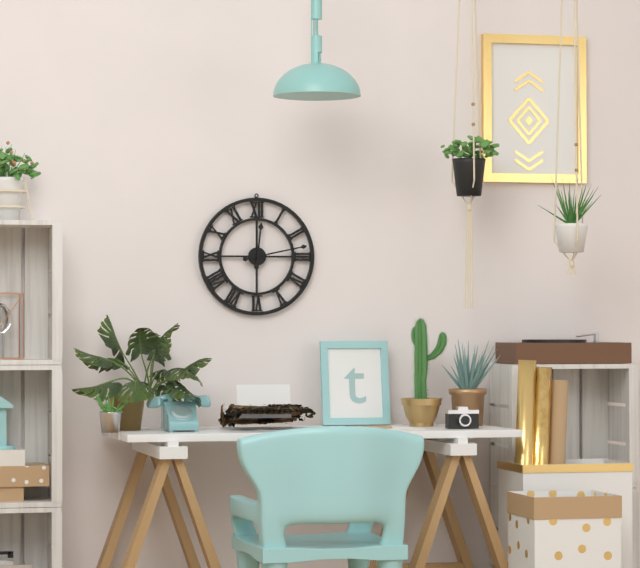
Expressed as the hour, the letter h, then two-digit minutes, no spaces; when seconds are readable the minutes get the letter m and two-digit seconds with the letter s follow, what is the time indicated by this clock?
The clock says 12h13
